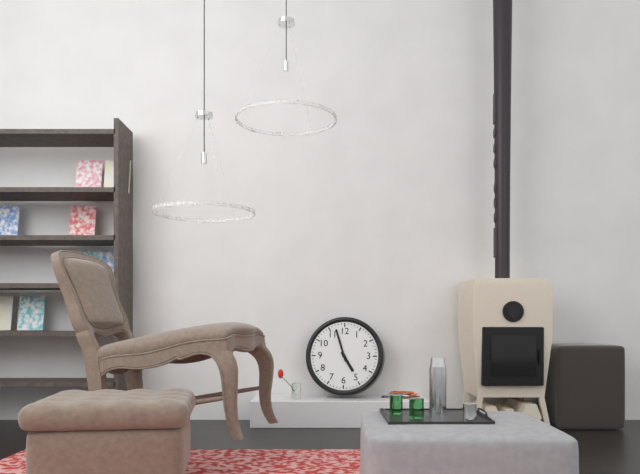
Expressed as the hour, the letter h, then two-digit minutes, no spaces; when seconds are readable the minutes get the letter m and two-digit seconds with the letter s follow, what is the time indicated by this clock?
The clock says 4h57
